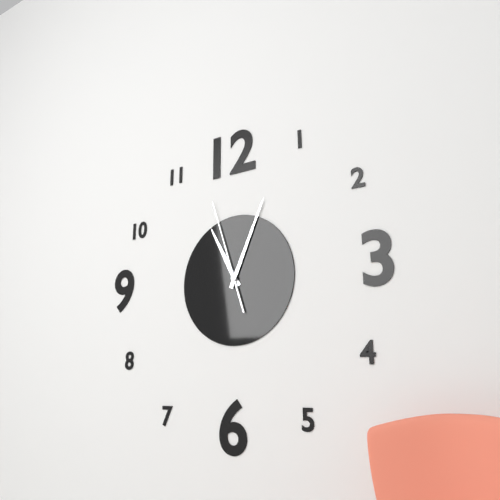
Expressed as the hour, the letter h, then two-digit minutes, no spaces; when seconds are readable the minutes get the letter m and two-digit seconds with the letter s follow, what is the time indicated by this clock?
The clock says 11h04m57s
